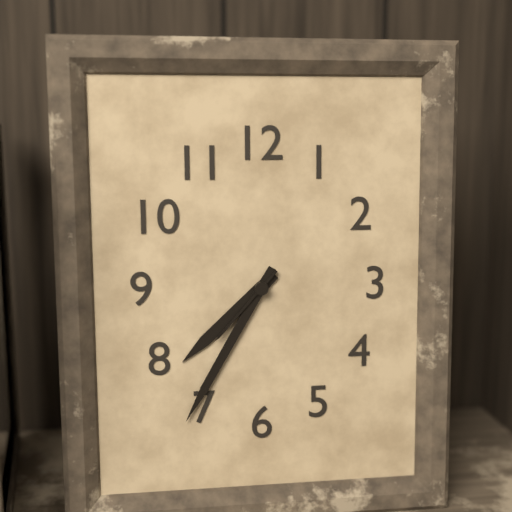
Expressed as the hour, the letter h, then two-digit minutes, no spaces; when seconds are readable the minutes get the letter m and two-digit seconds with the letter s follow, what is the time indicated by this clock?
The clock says 7h35m37s
